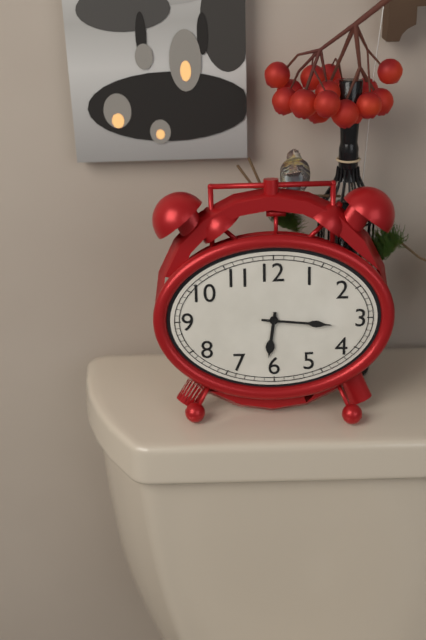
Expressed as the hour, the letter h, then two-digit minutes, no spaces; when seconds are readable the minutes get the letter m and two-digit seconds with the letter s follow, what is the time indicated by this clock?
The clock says 6h16
